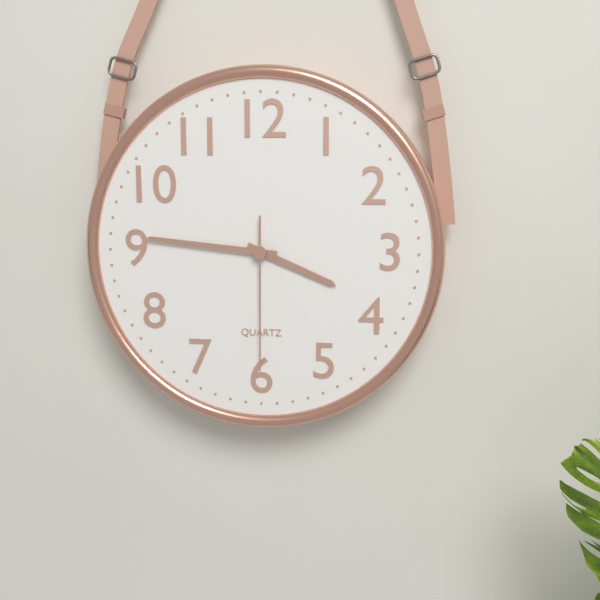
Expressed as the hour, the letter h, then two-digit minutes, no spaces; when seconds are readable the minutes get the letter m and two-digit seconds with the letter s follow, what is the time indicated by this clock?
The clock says 3h46m30s
